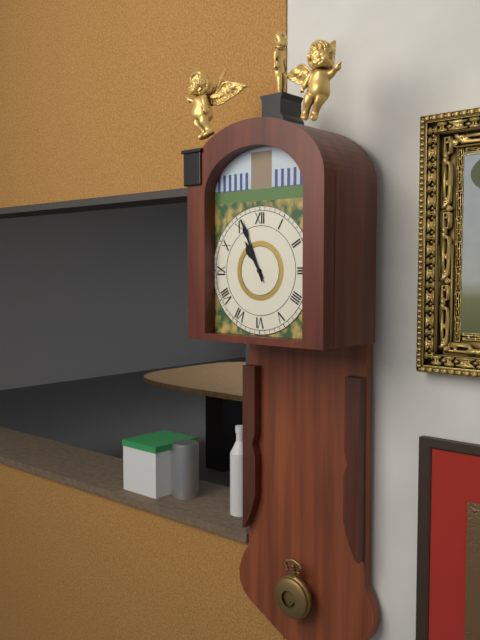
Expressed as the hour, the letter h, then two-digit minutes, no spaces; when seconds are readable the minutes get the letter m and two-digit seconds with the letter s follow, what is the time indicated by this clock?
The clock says 10h56
